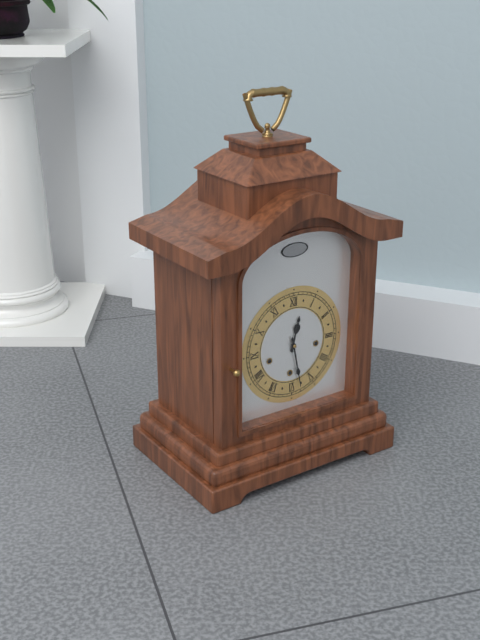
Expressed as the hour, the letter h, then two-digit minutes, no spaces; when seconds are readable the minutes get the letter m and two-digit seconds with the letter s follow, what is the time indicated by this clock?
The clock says 12h28
